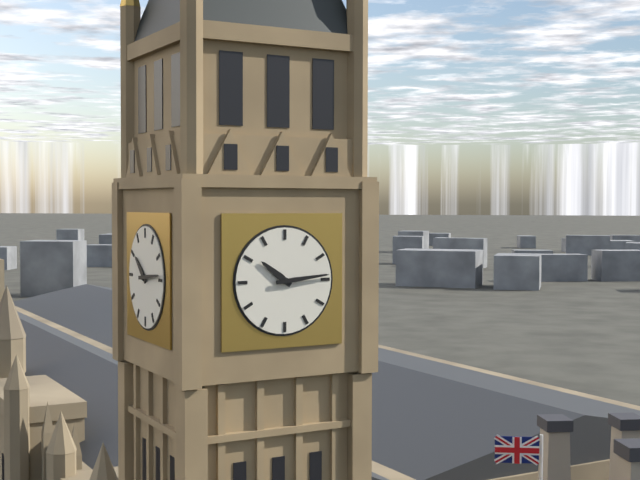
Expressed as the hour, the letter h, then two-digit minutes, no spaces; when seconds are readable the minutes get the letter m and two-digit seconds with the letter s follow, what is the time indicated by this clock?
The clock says 10h14
